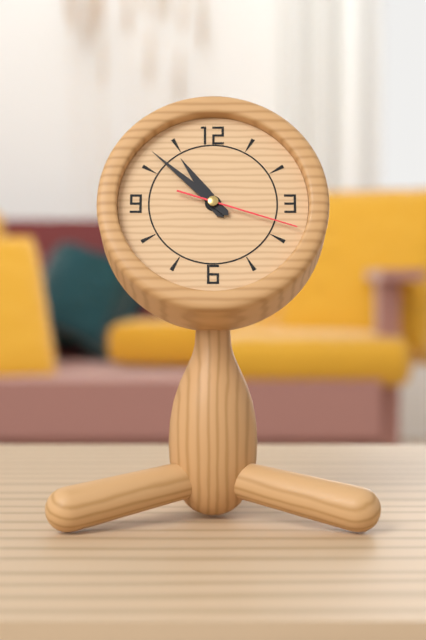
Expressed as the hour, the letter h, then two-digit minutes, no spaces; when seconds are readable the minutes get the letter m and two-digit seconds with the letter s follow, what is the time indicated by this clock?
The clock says 10h52m18s
